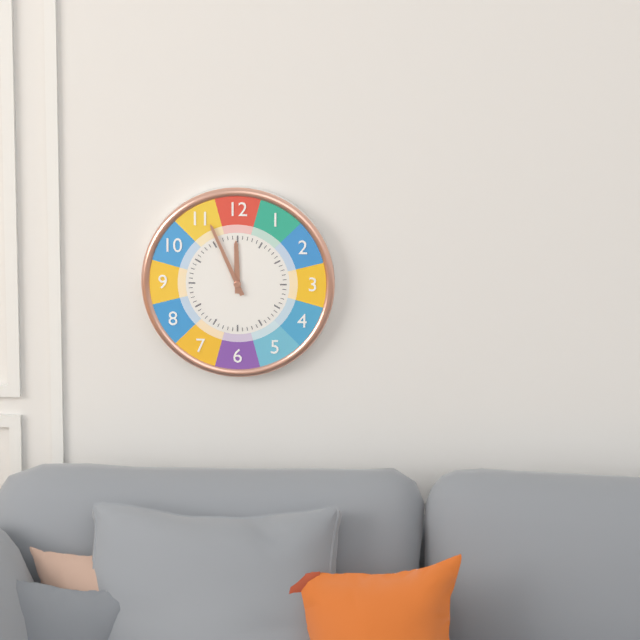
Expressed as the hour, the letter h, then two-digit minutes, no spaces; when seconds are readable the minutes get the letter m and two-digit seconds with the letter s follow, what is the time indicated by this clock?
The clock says 11h56
